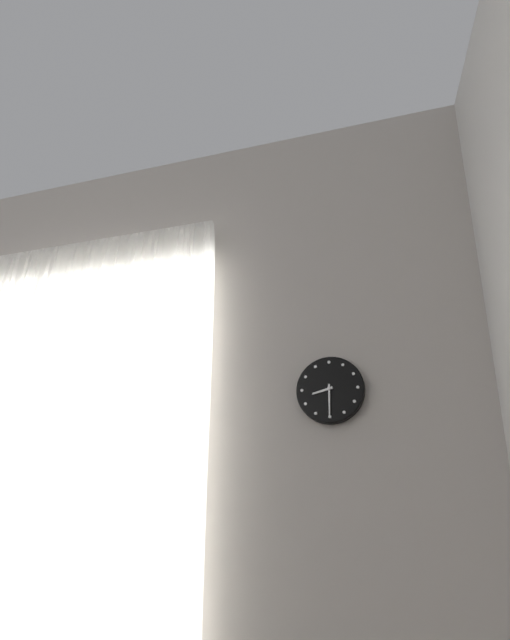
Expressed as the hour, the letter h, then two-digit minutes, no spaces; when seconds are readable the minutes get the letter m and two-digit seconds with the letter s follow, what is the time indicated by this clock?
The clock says 8h30
